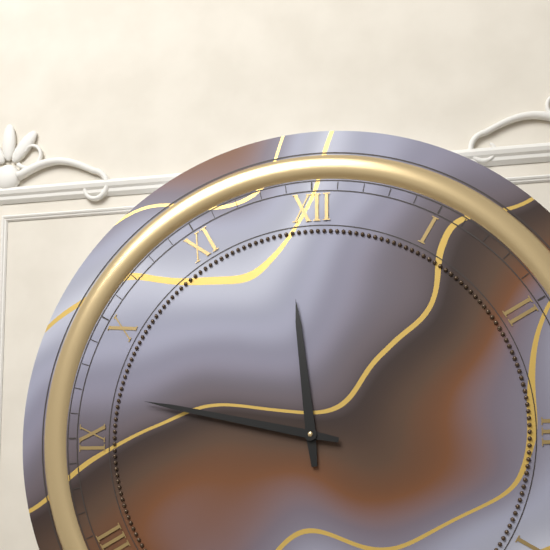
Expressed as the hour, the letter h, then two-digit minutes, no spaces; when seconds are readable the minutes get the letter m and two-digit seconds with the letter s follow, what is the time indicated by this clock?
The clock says 11h47
